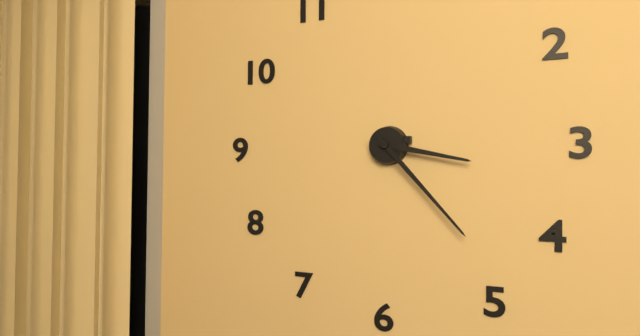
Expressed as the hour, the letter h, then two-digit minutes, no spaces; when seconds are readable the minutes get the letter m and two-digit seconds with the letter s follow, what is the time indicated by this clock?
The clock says 3h23
